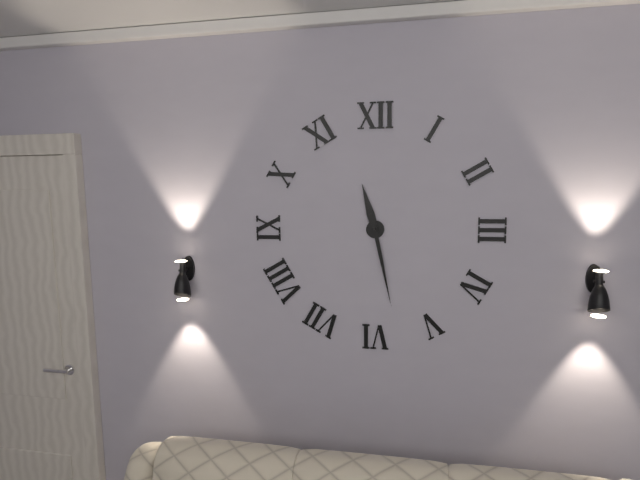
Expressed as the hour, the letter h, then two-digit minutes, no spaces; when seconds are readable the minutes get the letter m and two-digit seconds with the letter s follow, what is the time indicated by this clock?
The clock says 11h28
